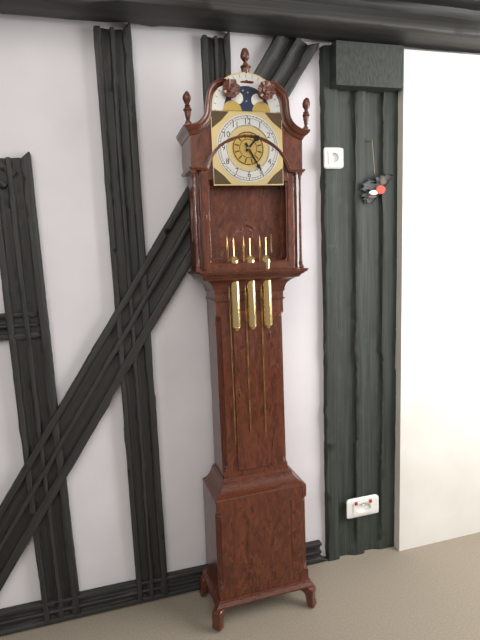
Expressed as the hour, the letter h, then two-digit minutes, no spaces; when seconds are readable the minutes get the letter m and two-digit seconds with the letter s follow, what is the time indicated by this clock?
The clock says 1h25
